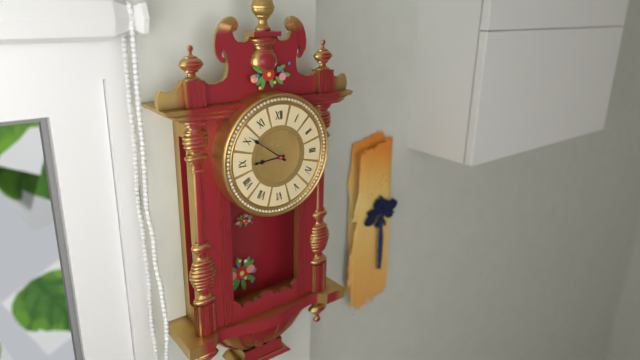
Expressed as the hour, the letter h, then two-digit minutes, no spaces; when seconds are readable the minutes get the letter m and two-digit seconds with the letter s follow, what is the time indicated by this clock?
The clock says 8h51
